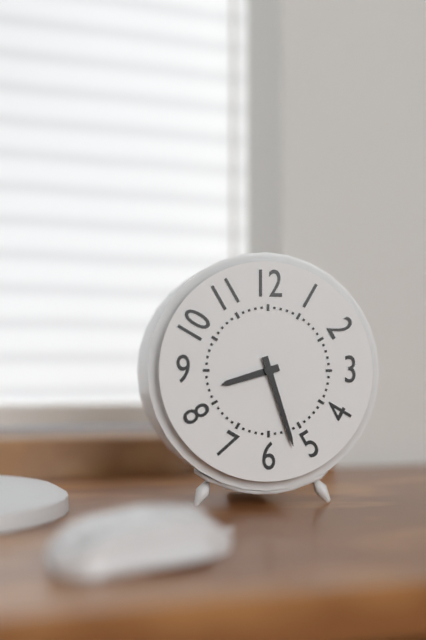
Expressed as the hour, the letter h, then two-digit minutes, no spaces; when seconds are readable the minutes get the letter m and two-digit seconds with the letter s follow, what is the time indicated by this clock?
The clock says 8h27
